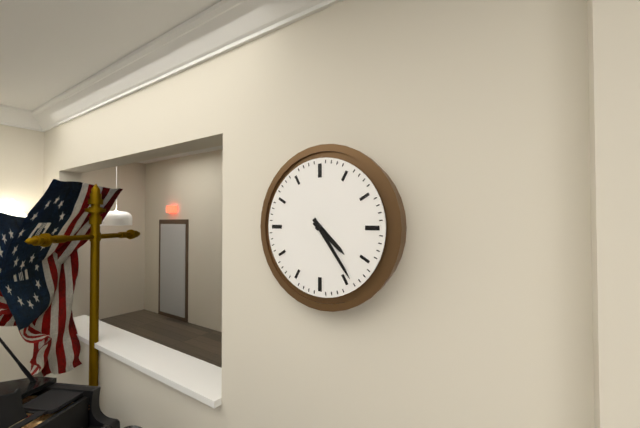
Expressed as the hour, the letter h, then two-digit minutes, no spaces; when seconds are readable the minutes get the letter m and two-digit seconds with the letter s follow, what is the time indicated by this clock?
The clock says 4h24
